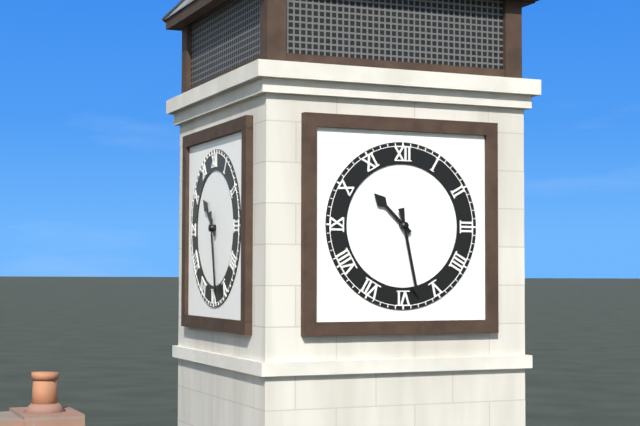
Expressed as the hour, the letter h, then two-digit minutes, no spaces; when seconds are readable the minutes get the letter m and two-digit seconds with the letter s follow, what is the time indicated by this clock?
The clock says 10h28
